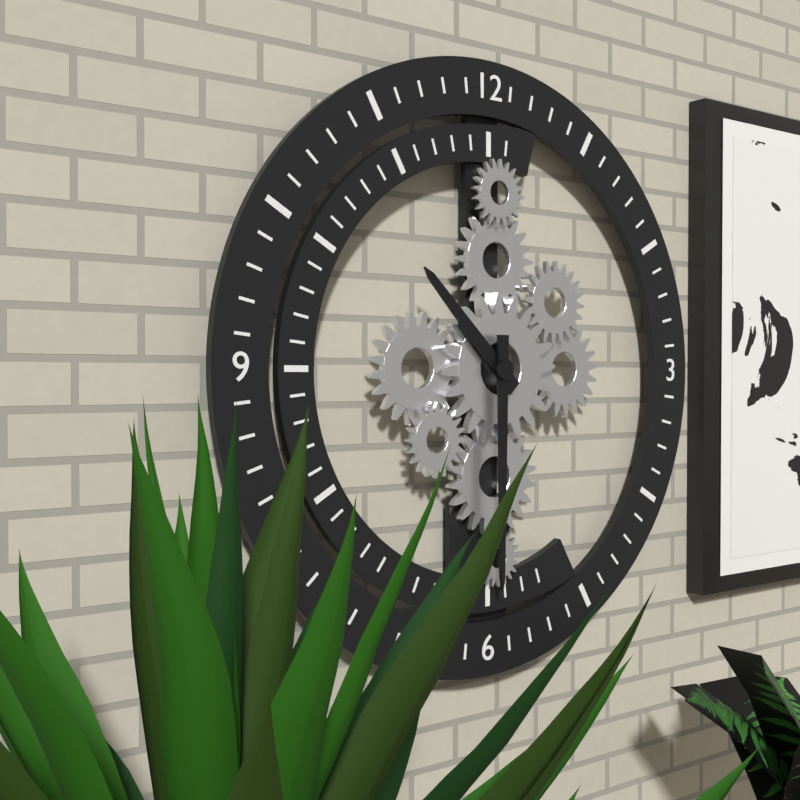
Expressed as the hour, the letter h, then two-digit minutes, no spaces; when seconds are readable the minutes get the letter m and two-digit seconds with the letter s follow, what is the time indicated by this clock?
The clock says 10h30
